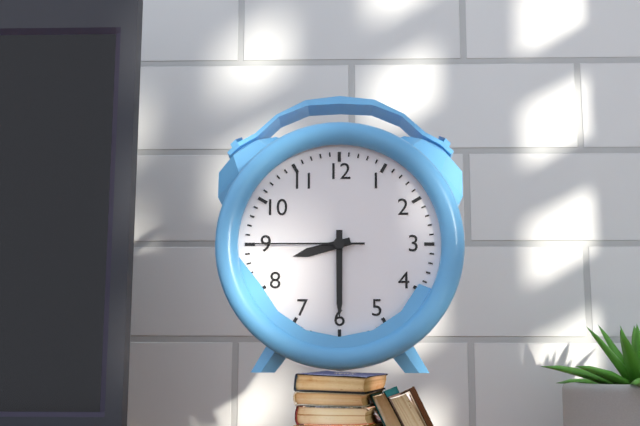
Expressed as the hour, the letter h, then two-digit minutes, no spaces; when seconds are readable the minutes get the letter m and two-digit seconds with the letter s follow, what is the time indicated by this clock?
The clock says 8h30m45s
